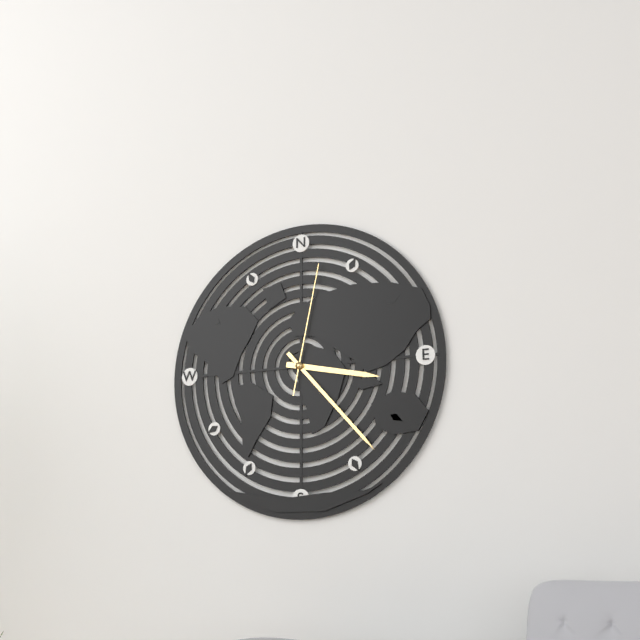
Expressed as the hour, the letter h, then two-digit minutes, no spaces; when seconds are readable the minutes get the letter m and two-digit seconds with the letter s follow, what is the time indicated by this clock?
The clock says 3h23m02s
